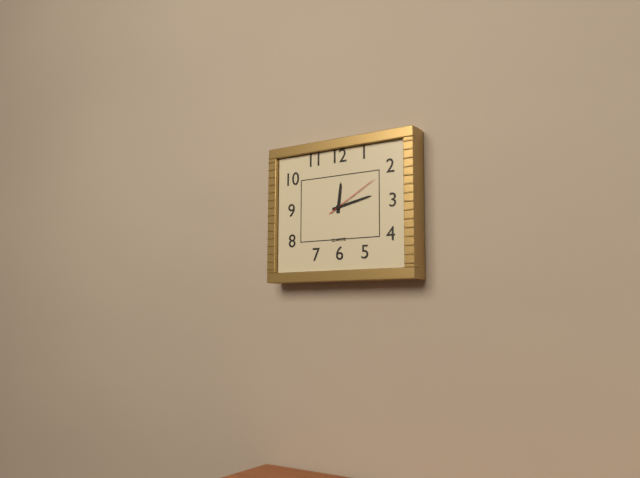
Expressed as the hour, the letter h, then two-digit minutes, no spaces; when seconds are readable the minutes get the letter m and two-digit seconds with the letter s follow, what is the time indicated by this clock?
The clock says 12h13m10s
